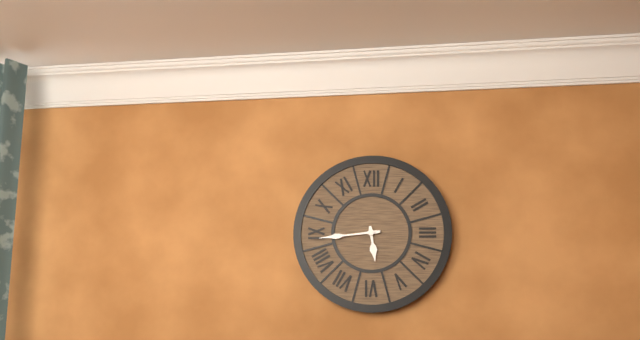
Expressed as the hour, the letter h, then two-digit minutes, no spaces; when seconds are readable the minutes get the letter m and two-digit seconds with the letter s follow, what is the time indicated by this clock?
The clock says 5h44
